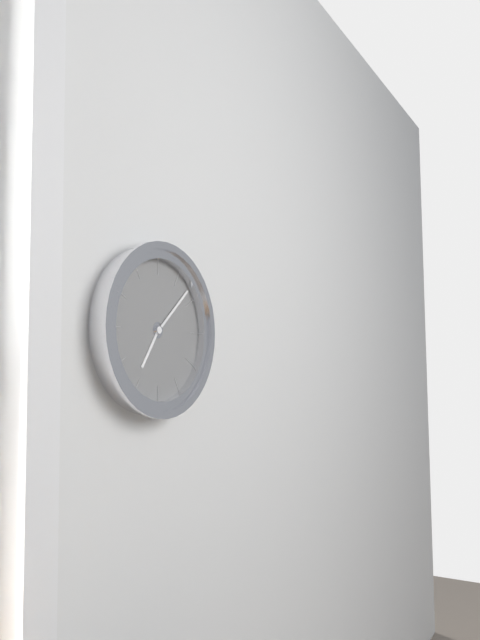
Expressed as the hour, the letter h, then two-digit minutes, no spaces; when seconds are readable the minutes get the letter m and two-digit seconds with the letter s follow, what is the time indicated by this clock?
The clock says 7h08
